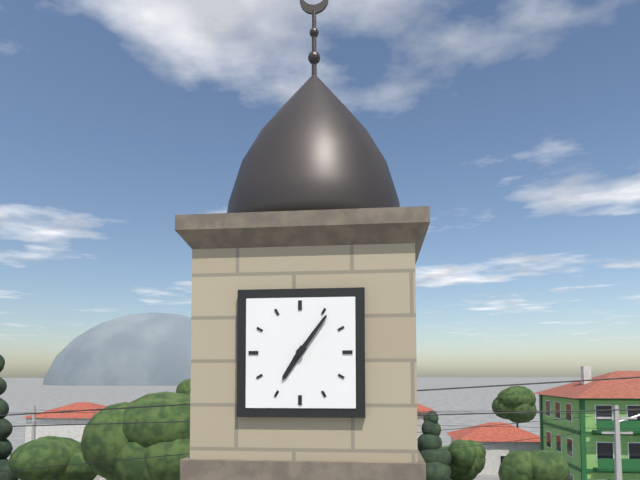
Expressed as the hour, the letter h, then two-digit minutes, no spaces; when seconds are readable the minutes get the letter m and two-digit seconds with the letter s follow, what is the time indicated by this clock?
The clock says 7h06
